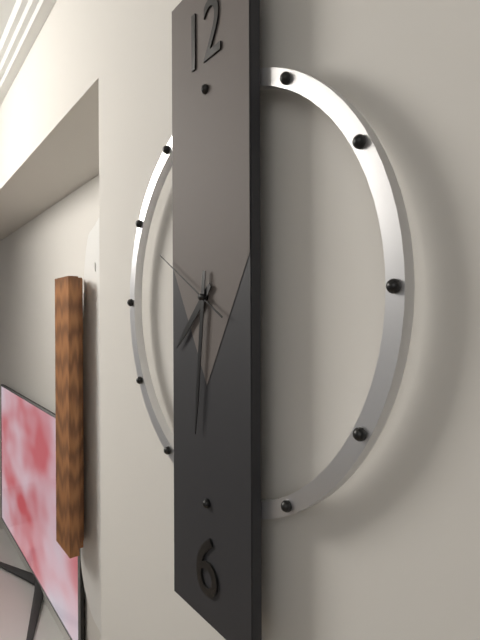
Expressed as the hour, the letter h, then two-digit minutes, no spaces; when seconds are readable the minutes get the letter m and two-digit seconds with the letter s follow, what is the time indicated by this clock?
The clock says 7h31m50s
